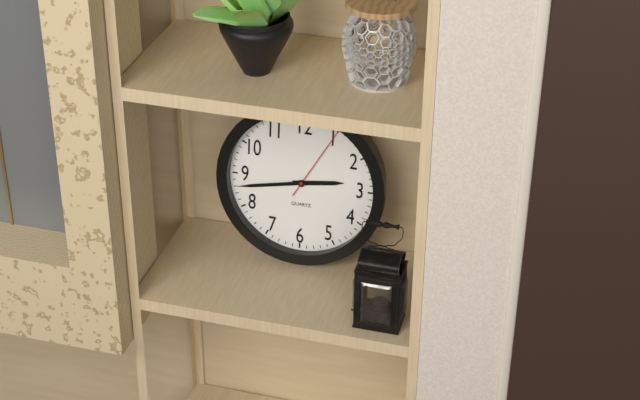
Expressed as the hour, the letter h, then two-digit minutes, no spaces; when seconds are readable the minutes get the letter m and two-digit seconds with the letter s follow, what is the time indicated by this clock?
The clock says 2h43m05s
